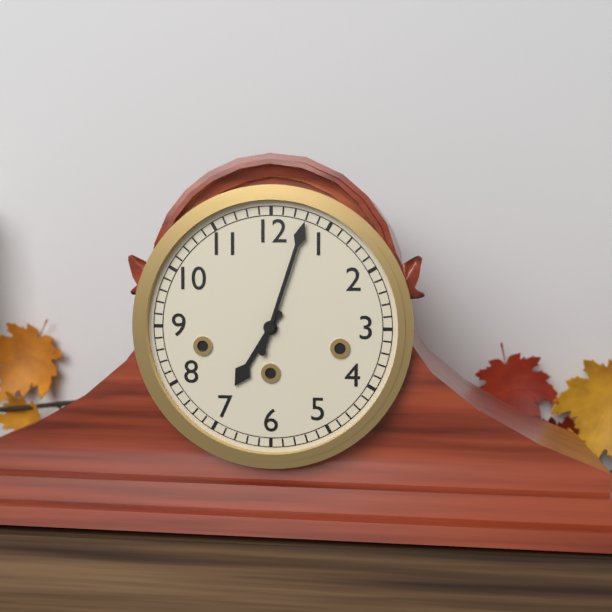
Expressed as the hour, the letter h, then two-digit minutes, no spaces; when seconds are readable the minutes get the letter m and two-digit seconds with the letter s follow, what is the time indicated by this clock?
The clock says 7h03
